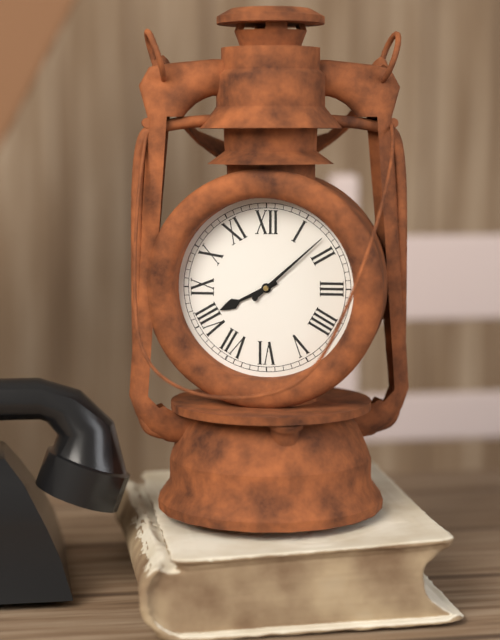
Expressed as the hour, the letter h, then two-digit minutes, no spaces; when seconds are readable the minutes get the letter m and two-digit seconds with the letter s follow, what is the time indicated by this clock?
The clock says 8h08
